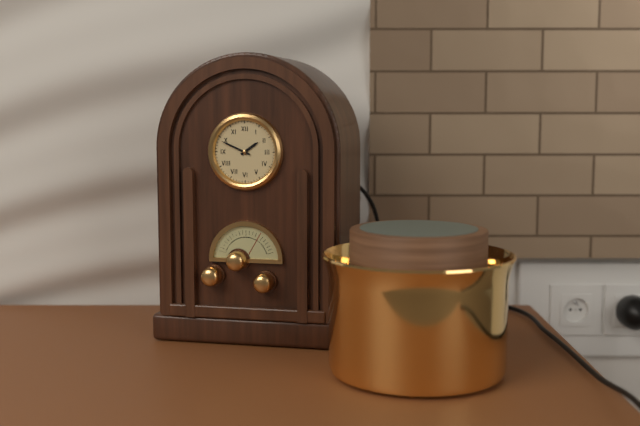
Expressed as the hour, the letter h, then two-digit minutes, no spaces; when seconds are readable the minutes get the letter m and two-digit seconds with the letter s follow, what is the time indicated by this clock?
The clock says 1h49
